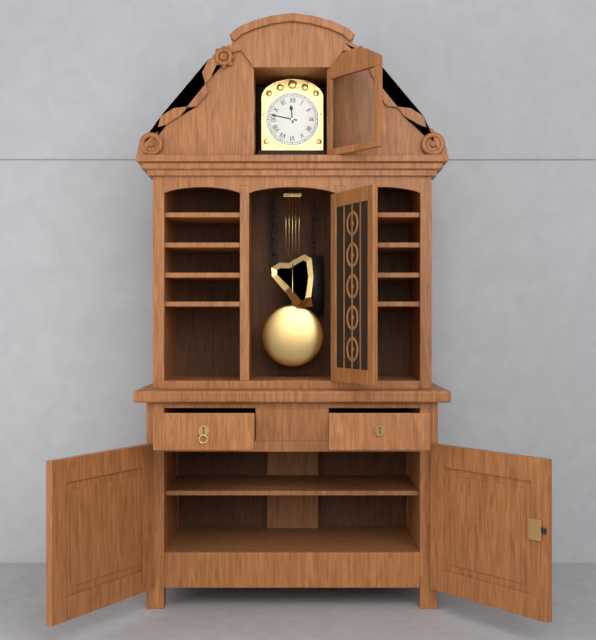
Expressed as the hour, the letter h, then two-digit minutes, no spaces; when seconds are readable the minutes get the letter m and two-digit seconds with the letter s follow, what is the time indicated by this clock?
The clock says 11h47
